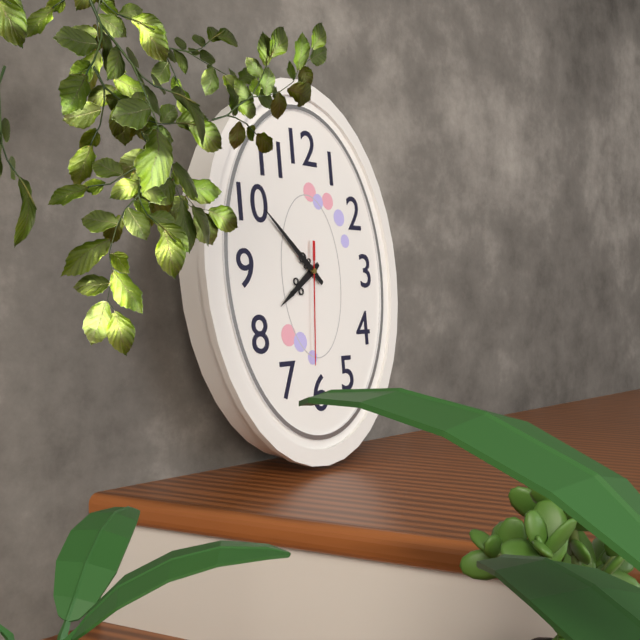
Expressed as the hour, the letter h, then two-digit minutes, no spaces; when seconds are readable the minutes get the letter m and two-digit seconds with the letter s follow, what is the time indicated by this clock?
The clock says 7h52m31s
